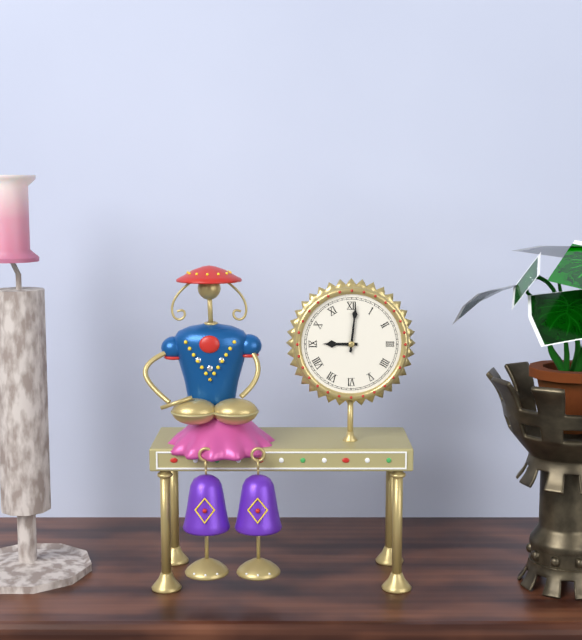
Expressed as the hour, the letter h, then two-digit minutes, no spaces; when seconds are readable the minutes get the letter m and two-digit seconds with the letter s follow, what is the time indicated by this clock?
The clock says 9h01
